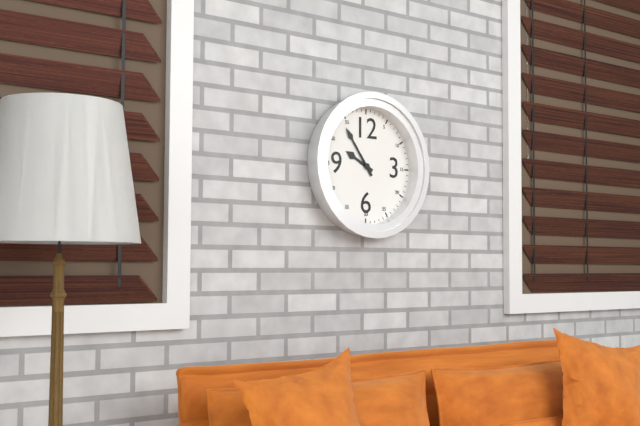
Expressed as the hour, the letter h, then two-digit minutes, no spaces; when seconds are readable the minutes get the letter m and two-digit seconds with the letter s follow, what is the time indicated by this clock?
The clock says 9h54
